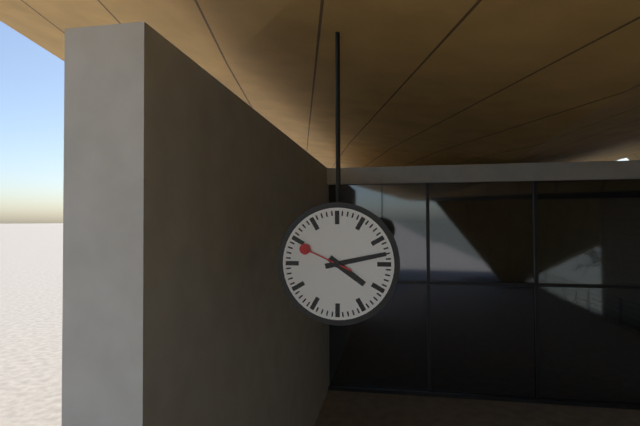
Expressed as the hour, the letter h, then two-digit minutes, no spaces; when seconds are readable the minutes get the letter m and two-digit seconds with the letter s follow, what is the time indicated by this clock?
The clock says 4h13m49s
